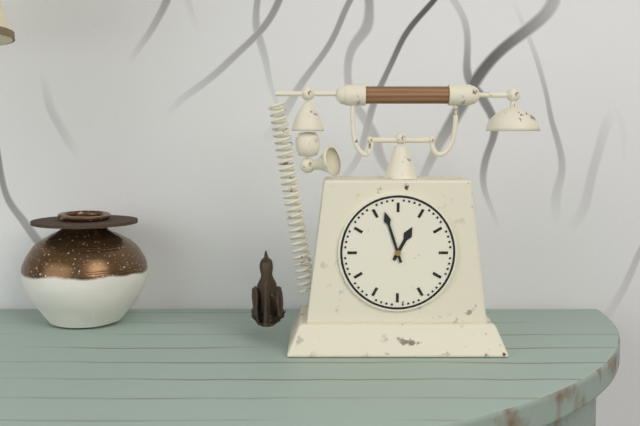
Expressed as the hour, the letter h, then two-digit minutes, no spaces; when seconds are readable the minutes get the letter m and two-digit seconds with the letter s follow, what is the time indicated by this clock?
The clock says 12h57
